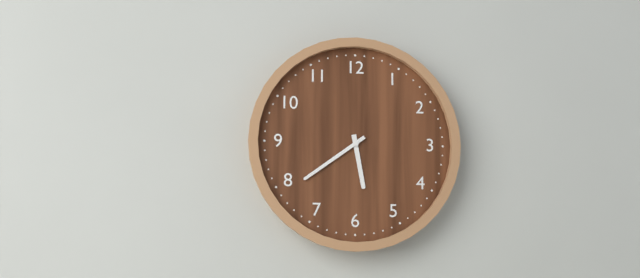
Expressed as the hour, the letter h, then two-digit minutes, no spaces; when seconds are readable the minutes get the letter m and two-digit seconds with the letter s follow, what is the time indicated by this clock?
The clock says 5h39
